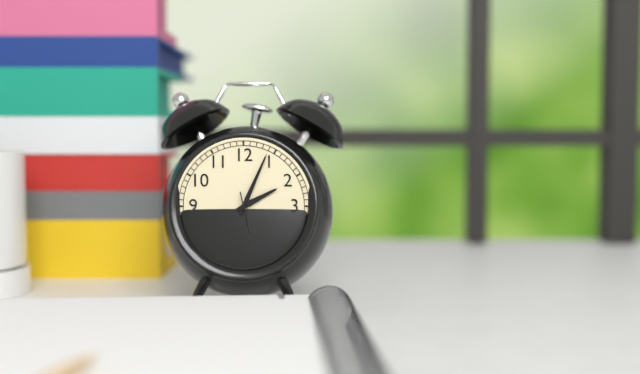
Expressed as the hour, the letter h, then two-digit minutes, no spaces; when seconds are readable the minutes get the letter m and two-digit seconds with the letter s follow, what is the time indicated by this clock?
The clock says 2h04
